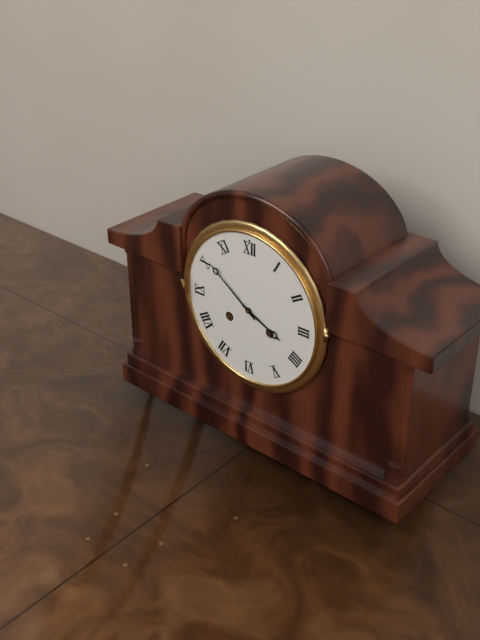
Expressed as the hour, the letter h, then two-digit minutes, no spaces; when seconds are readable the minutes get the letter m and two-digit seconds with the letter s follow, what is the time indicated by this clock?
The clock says 3h51
